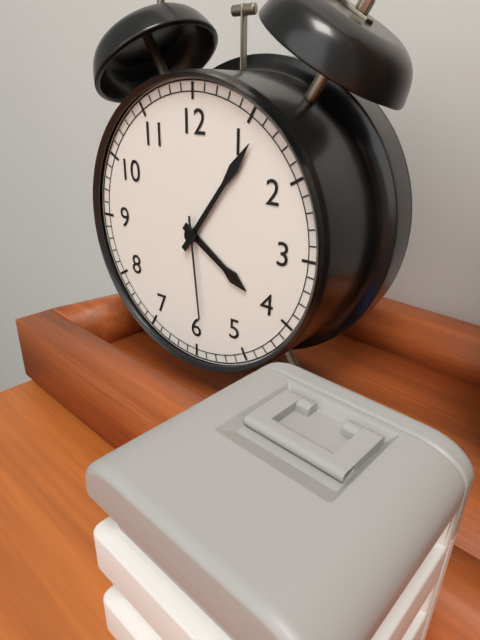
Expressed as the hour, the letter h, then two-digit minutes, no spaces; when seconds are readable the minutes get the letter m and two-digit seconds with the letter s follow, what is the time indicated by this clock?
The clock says 4h06m29s
